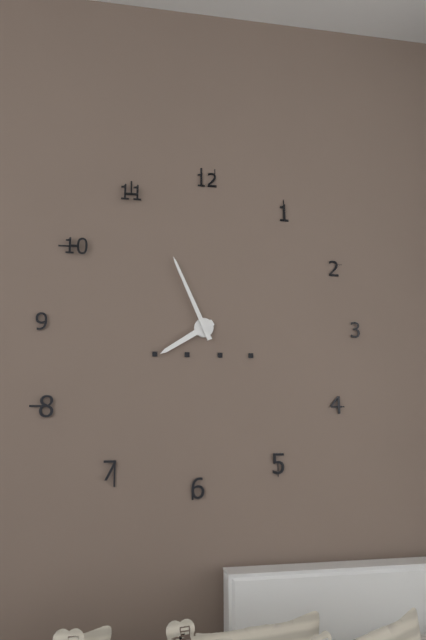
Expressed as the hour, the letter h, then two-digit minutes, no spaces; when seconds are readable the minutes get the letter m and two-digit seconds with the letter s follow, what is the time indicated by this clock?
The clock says 7h56
